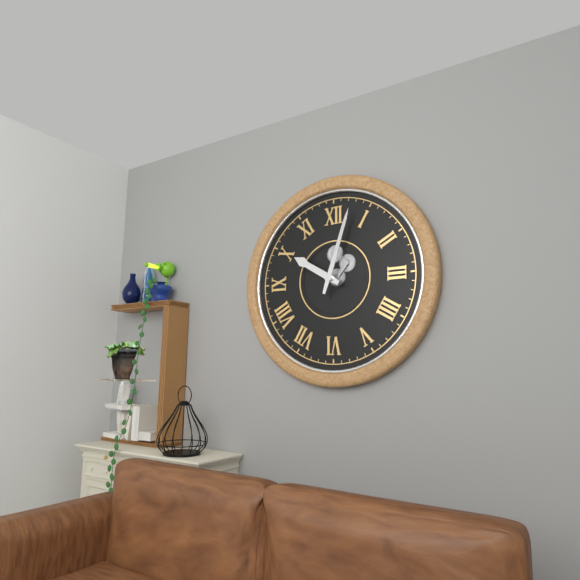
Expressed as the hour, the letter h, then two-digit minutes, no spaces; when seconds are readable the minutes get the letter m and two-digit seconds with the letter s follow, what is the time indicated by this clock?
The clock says 10h03
